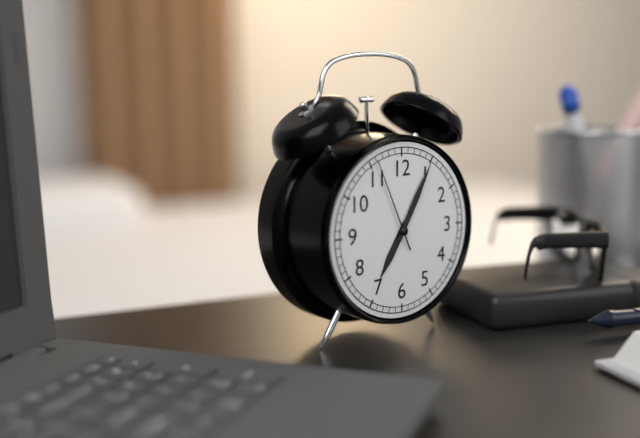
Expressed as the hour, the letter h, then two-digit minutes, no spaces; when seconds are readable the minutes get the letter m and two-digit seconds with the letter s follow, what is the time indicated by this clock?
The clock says 7h05m56s
